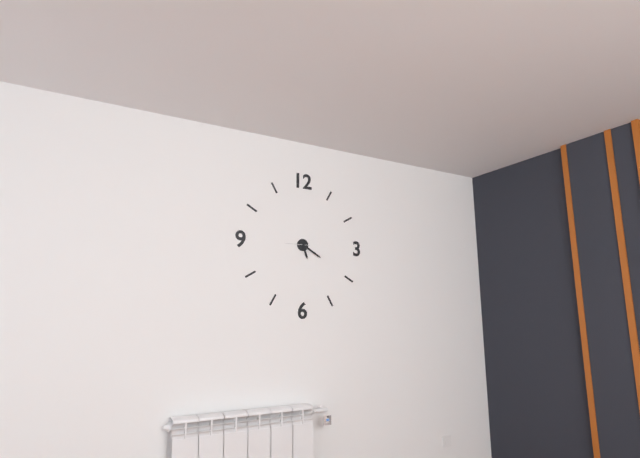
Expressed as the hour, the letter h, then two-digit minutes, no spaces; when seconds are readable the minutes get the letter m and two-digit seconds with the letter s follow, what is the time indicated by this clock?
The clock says 5h20
